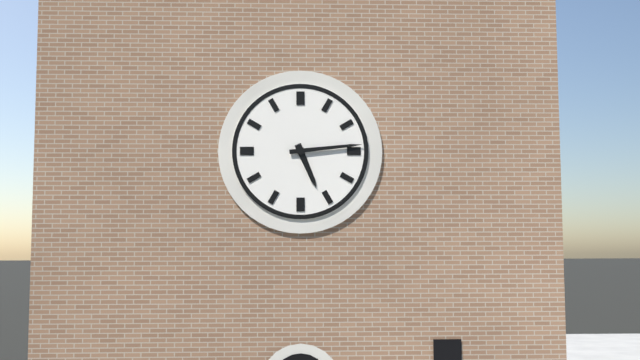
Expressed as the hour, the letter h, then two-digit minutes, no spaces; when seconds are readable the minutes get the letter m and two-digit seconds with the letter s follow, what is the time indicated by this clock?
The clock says 5h14
